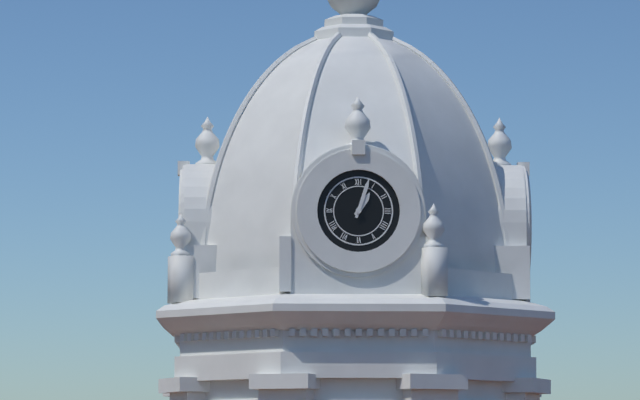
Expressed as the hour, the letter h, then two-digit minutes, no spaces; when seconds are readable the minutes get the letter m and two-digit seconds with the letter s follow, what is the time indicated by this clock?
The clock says 1h03
